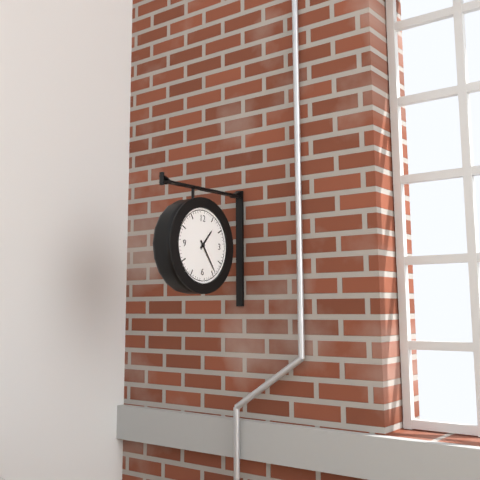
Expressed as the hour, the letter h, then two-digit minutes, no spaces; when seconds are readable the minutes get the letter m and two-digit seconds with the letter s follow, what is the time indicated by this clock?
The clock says 1h24
